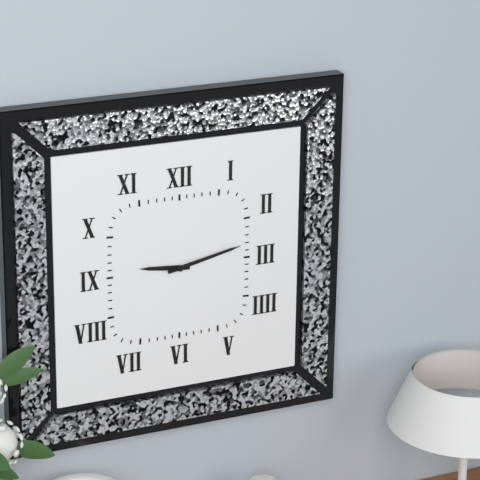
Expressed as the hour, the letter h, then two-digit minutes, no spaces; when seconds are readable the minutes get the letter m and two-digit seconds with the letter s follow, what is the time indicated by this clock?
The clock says 9h13
